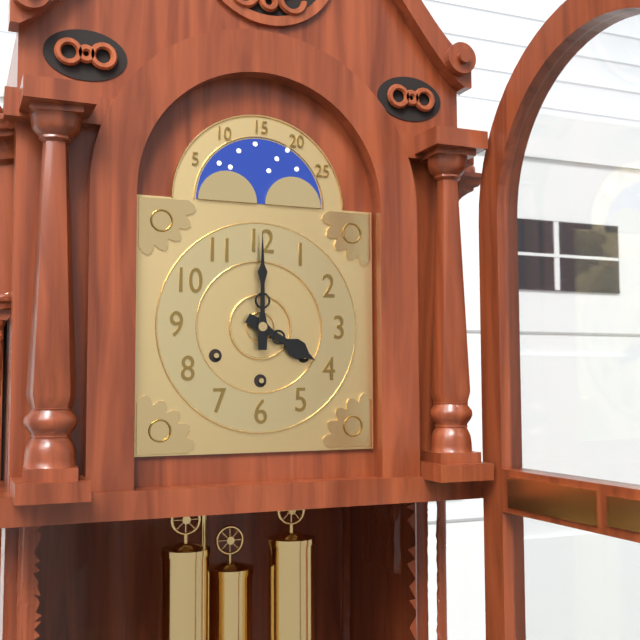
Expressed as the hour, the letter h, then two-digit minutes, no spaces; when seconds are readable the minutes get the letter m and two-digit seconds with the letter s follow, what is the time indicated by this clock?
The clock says 4h00
